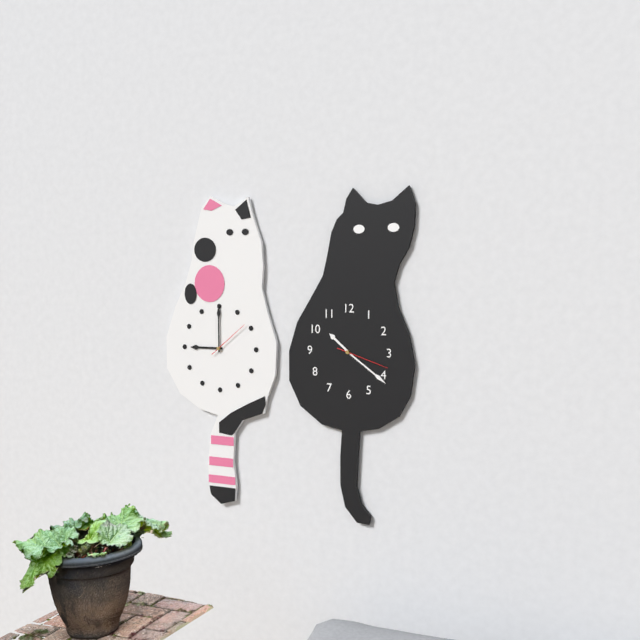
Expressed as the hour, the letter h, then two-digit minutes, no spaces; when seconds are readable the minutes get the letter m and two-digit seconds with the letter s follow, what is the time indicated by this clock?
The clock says 10h21m18s
